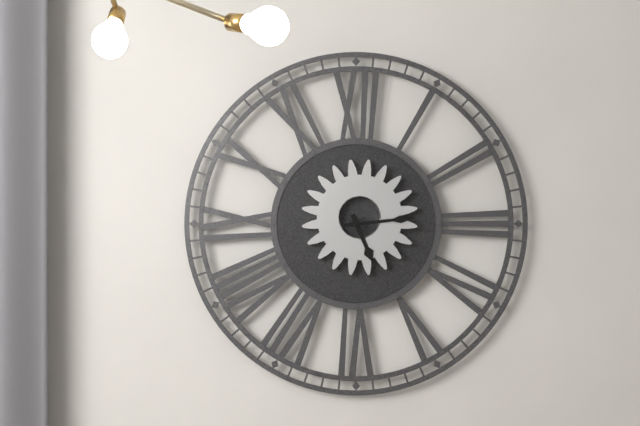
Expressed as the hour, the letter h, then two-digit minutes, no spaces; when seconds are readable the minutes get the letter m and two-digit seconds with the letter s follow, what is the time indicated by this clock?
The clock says 5h14
